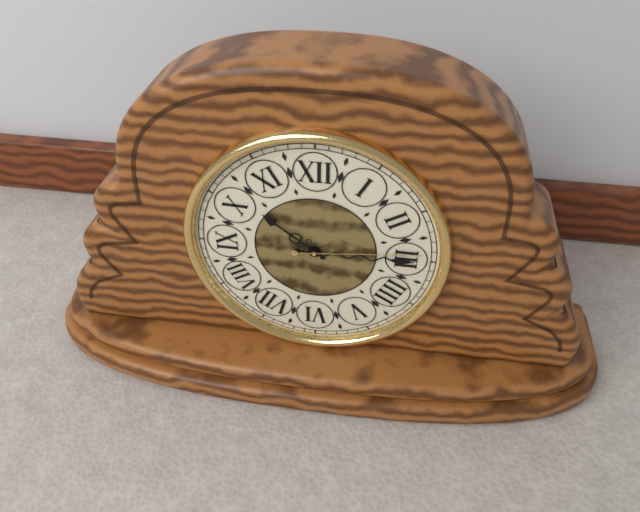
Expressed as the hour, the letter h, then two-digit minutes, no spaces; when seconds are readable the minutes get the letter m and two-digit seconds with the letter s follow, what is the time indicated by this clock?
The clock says 10h15m14s
